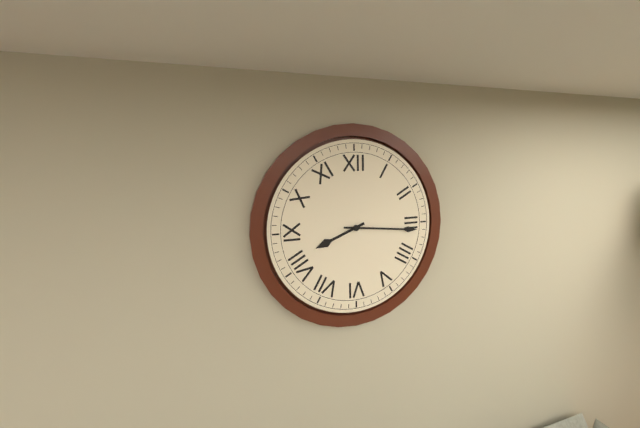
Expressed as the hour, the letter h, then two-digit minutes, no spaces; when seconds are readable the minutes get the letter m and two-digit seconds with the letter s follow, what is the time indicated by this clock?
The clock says 8h16
